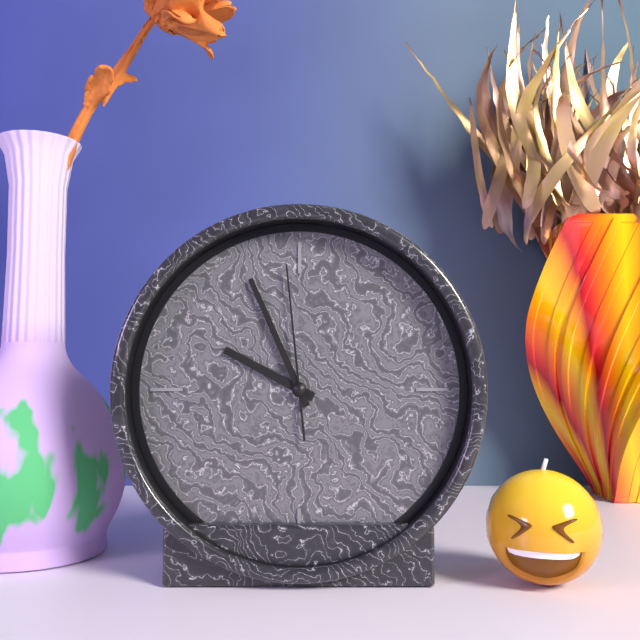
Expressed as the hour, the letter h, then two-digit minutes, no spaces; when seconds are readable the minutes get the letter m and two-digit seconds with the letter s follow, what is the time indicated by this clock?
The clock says 9h56m59s
